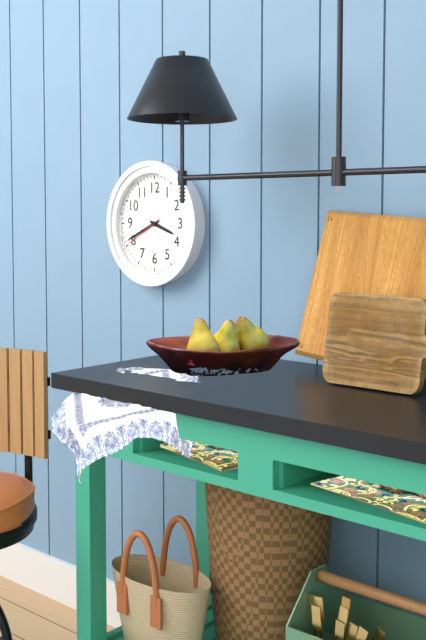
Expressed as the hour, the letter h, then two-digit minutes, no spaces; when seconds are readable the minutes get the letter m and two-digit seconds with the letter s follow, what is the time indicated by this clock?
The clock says 3h41
